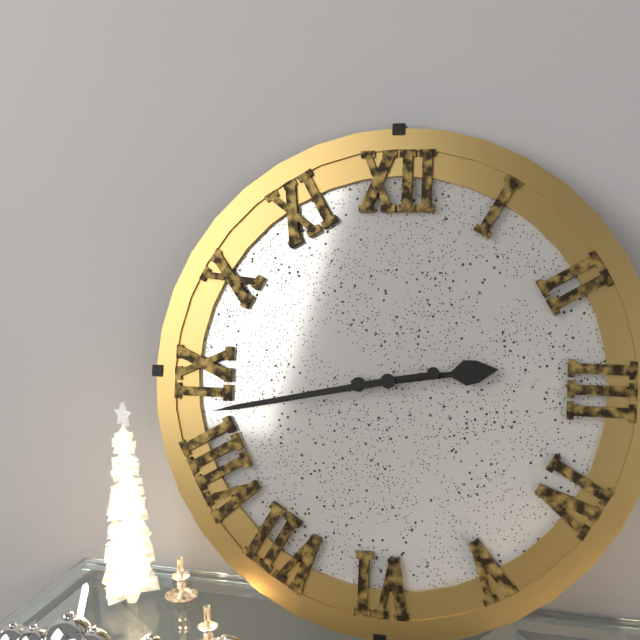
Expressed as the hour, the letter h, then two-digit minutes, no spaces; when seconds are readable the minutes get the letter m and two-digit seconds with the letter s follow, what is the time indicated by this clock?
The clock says 2h43
